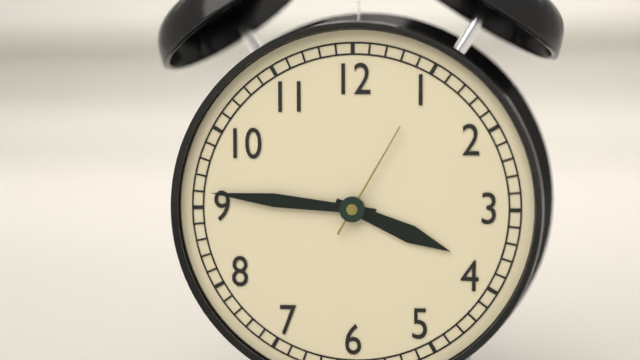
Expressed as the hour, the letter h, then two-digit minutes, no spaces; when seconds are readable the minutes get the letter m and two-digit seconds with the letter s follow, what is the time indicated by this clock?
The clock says 3h46m05s
